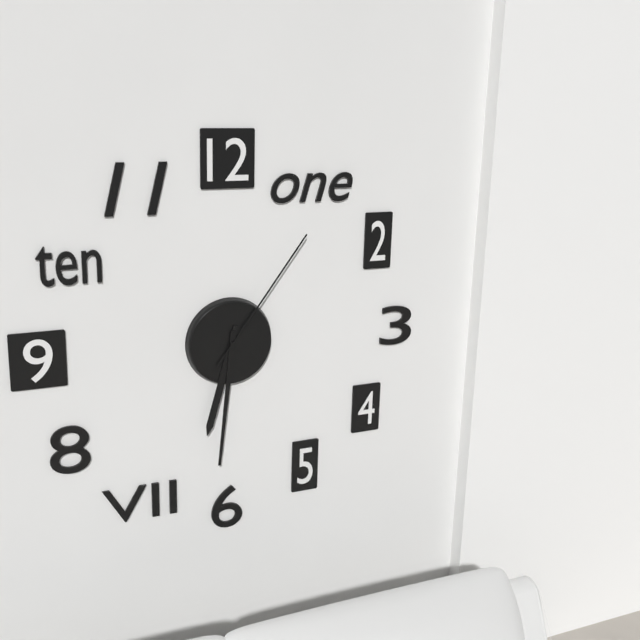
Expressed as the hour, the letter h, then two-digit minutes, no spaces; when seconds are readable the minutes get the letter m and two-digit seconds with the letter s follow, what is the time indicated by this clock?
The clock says 6h31m06s
